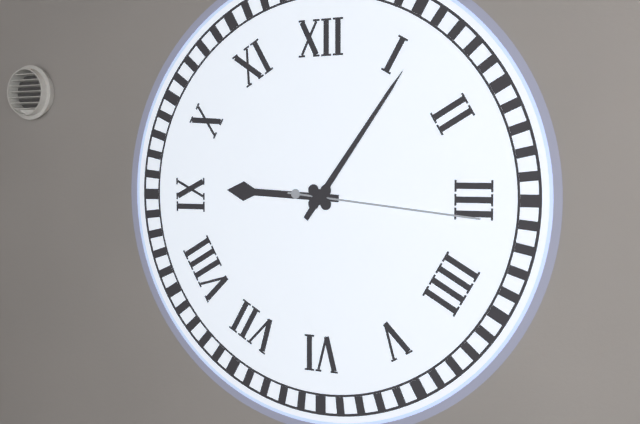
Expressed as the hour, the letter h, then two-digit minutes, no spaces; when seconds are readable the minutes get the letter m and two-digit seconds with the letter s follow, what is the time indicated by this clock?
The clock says 9h06m16s
